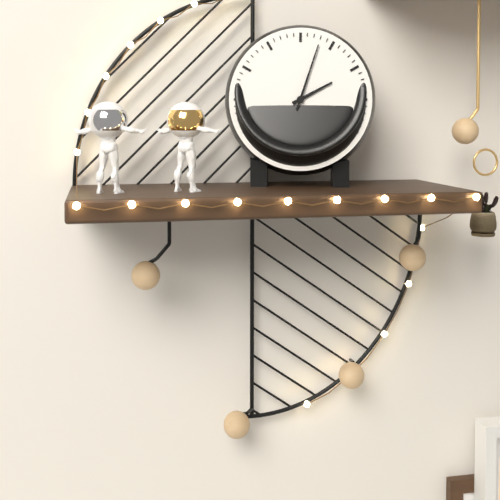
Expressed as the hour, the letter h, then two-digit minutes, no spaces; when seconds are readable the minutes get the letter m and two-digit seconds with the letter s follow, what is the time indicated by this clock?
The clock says 2h03
